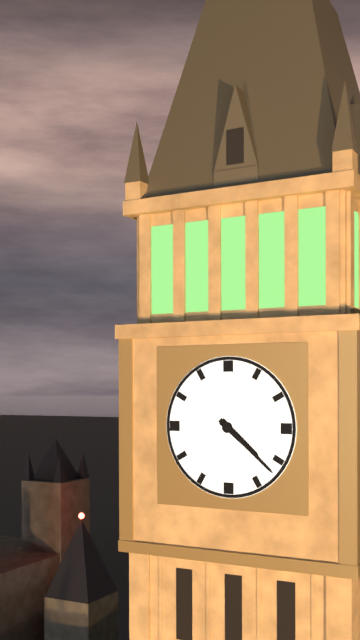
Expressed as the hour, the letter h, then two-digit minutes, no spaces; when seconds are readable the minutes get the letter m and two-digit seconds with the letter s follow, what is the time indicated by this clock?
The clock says 4h22
